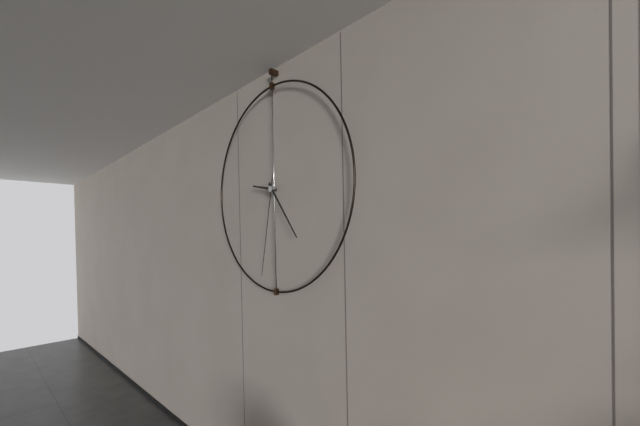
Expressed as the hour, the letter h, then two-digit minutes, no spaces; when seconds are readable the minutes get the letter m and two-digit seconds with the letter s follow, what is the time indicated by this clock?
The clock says 9h24m32s
